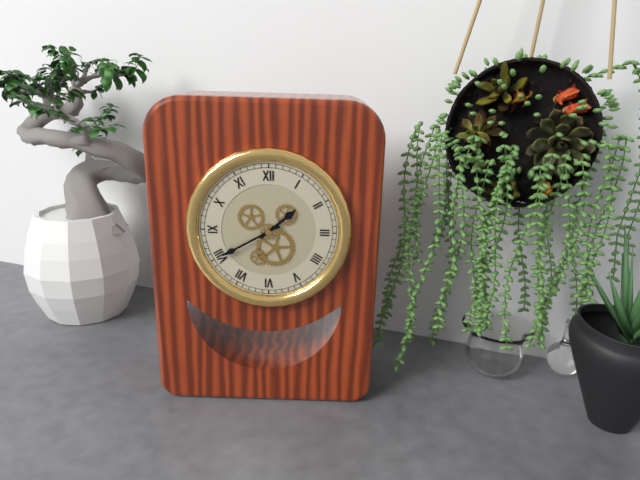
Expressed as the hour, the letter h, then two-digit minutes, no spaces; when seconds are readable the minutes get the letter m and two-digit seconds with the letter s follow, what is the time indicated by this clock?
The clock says 1h40
